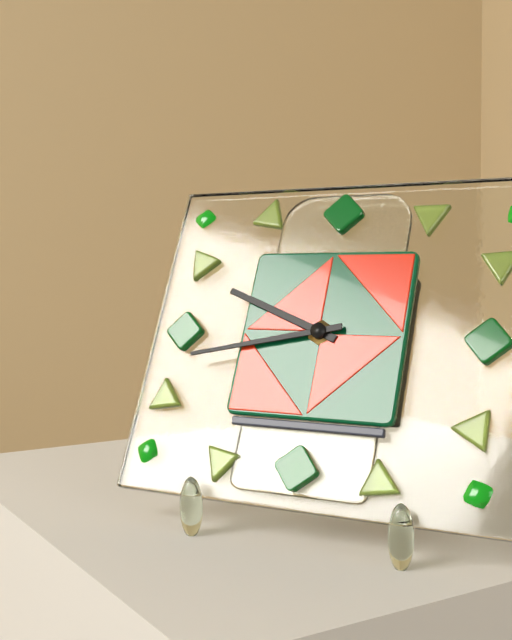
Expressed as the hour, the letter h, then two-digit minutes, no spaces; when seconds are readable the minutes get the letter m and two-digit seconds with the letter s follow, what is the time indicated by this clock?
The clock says 9h43
